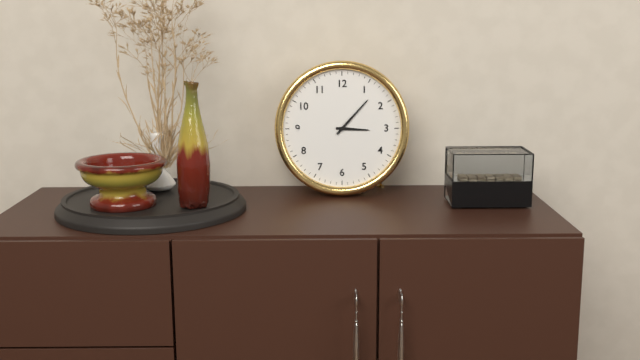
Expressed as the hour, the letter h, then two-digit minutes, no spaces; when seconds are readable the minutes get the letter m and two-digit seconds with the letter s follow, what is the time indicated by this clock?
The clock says 3h07
